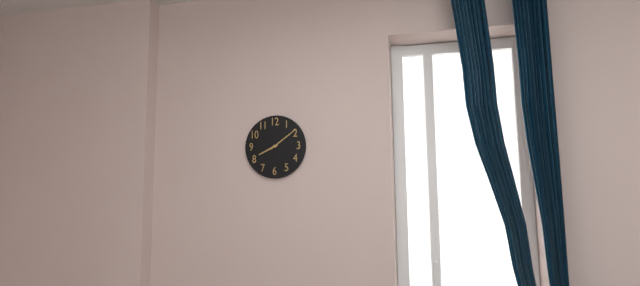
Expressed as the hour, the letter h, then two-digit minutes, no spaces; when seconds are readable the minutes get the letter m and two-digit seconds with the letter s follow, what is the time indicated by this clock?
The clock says 8h09
